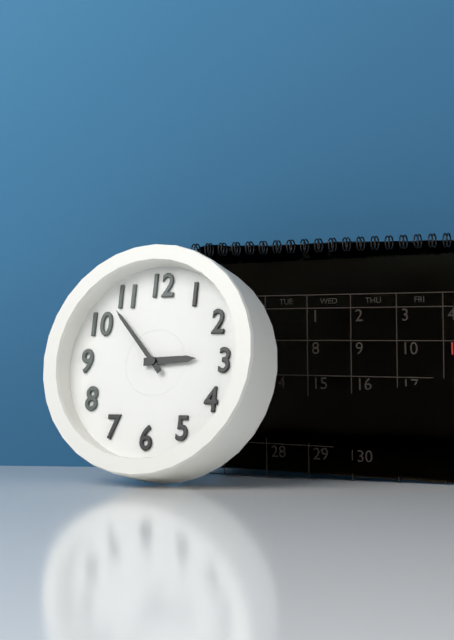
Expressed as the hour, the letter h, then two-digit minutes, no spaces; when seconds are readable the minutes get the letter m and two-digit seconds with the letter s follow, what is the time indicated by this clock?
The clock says 2h53
